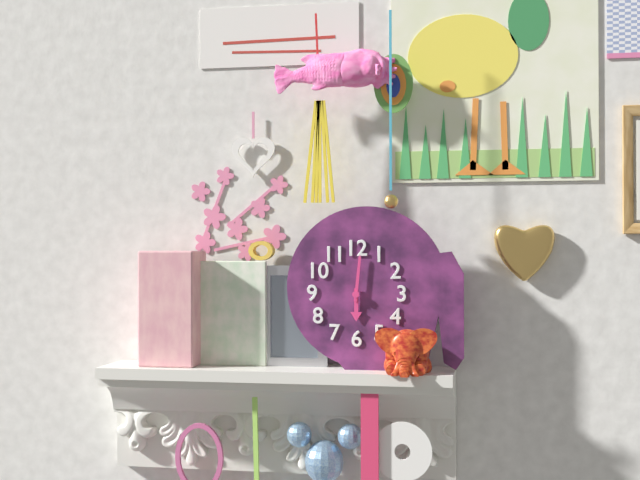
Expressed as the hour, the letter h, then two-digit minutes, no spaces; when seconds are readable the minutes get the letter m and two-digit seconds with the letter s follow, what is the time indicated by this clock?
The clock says 6h01
